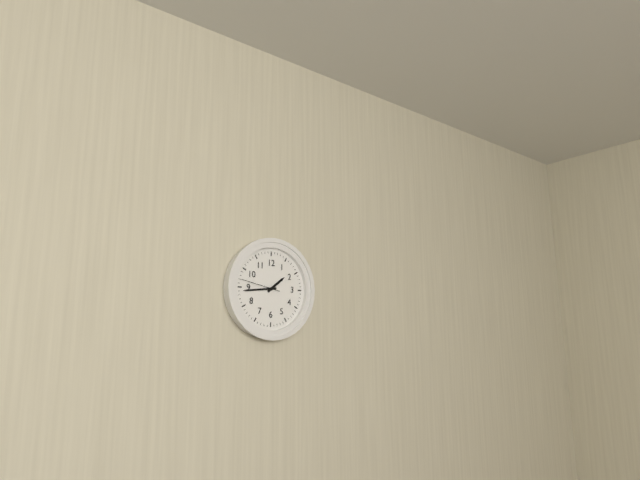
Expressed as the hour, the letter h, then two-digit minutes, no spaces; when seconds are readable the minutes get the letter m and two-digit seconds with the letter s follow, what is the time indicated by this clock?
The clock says 1h44
